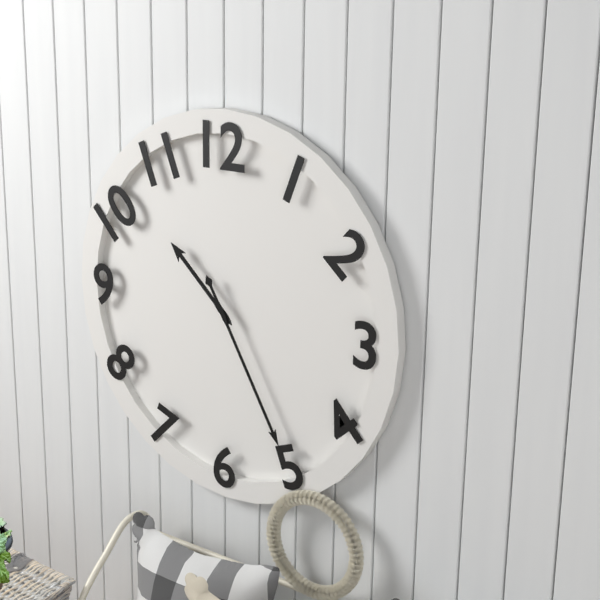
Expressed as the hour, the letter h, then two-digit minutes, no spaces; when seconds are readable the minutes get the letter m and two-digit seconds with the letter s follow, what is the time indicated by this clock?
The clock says 10h25
